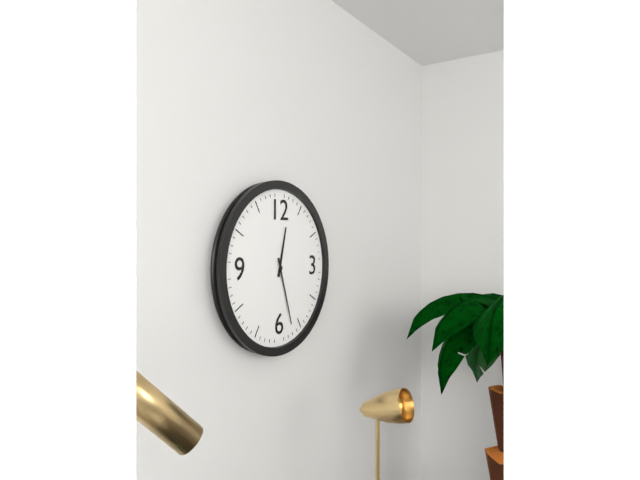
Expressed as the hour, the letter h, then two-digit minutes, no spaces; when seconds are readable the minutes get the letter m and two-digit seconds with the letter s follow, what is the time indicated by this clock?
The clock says 12h27
